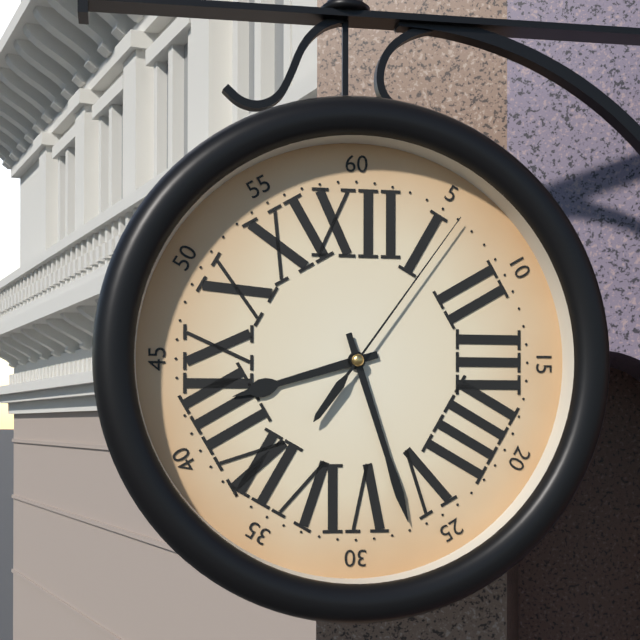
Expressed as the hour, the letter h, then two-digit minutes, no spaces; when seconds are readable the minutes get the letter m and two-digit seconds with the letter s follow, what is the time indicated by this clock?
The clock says 8h27m06s
